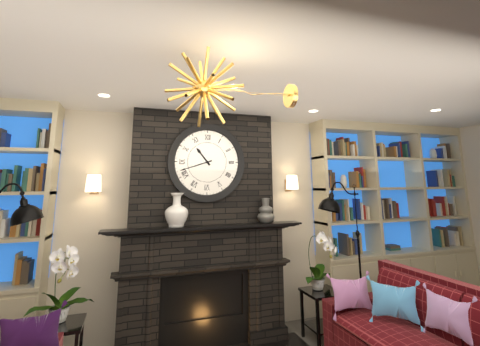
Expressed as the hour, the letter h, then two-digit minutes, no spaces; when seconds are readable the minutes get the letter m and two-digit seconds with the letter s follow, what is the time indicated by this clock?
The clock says 10h42
